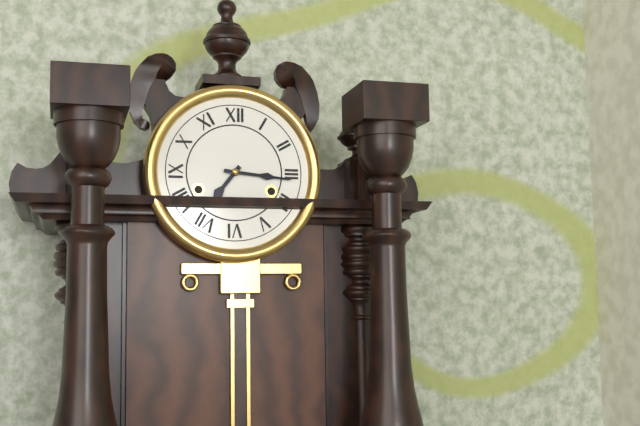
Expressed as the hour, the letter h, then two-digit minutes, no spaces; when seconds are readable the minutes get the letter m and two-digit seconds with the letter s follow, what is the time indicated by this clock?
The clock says 7h16
